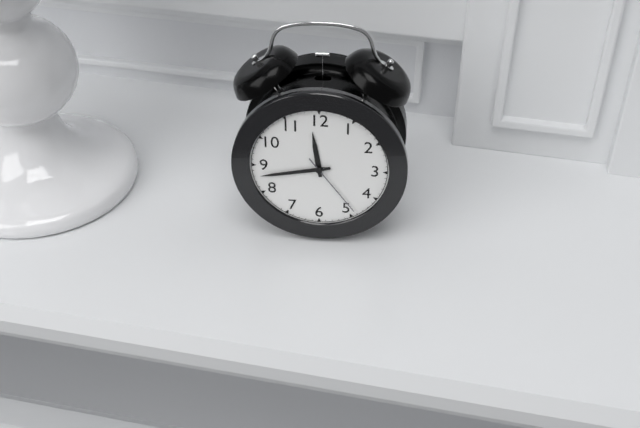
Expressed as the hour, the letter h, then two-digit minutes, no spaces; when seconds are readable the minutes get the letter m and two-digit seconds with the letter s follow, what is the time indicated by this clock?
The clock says 11h43m24s
